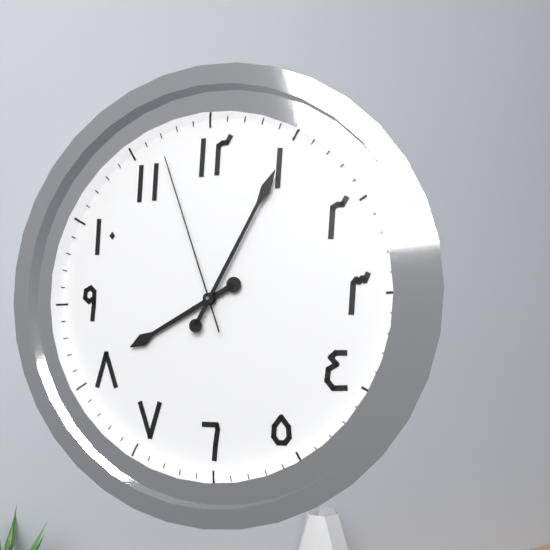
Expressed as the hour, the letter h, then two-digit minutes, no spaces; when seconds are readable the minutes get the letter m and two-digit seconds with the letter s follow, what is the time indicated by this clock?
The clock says 8h05m57s
